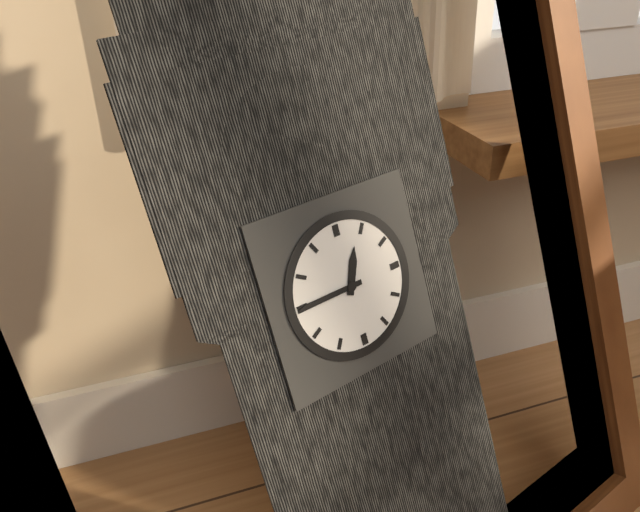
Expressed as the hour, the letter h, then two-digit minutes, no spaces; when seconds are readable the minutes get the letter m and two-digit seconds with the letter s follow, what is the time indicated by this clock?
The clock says 12h45
